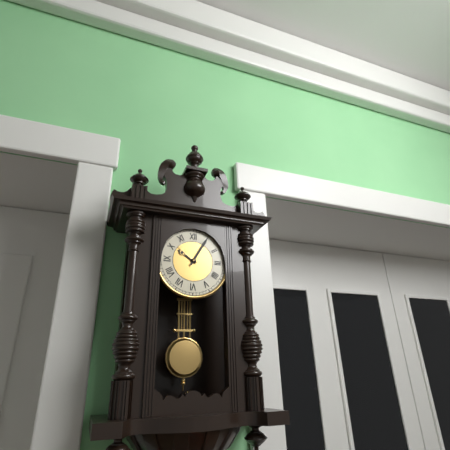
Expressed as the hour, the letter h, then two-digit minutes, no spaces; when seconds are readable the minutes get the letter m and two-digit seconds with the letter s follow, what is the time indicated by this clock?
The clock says 10h05
